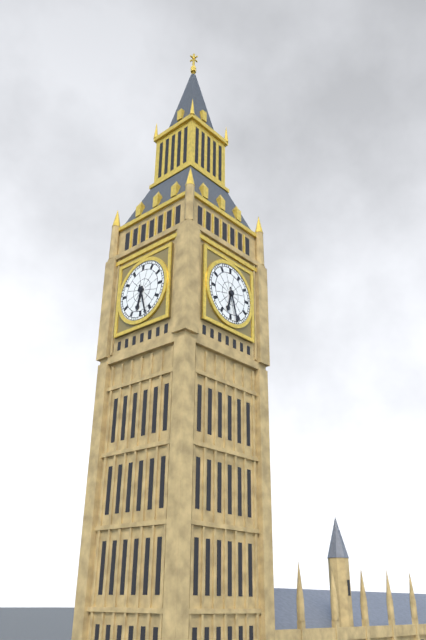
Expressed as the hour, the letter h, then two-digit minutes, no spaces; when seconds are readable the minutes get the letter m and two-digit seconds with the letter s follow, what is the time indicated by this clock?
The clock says 6h27
